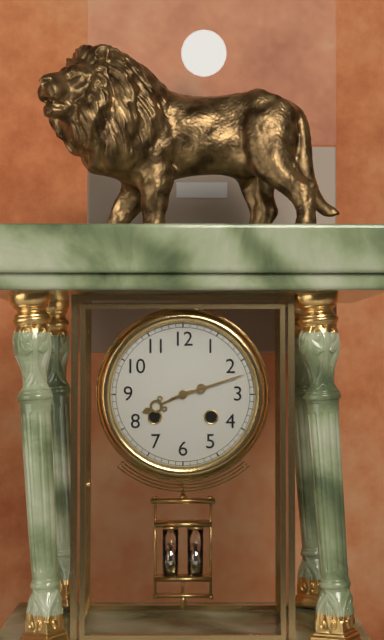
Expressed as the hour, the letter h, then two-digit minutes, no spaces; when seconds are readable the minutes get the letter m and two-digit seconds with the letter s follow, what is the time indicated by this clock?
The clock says 8h12
